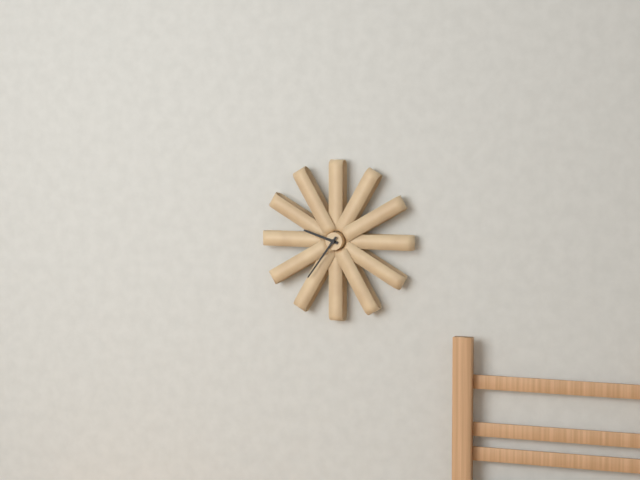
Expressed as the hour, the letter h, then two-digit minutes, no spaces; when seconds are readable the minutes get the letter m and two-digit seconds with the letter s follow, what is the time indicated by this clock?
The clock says 9h36
